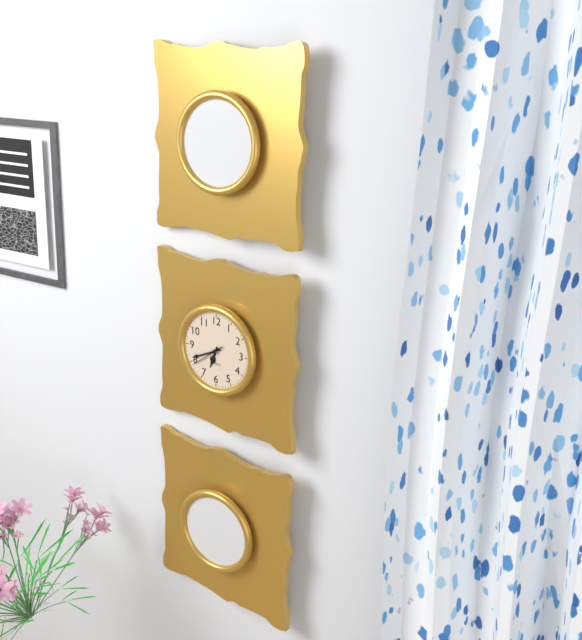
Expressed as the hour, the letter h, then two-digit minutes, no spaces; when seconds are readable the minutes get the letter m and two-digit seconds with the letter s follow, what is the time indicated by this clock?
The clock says 6h41
